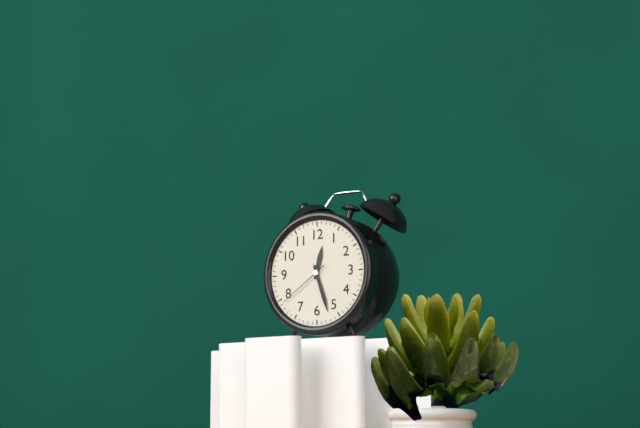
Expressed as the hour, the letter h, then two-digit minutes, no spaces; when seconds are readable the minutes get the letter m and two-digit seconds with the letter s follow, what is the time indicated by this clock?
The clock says 12h27m39s
